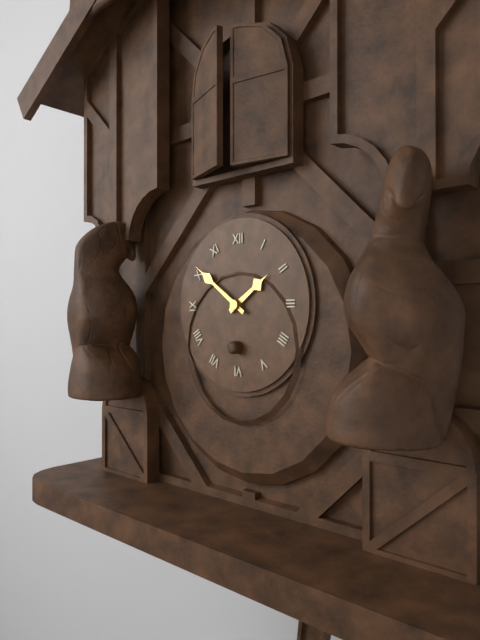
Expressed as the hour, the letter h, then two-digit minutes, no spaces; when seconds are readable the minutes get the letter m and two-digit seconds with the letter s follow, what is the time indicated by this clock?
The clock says 1h51
